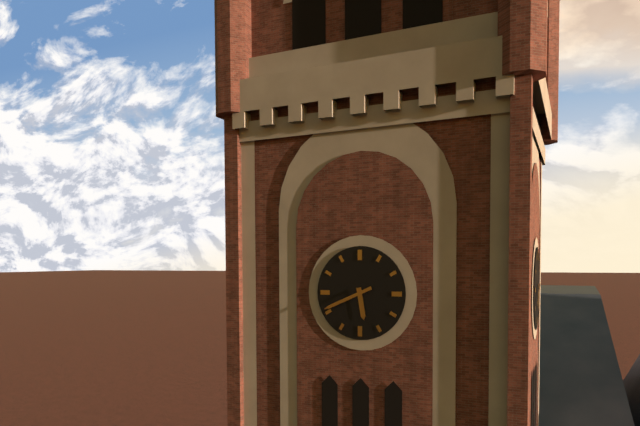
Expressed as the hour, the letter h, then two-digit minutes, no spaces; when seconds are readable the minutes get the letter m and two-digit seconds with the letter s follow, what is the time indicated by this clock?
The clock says 5h41
